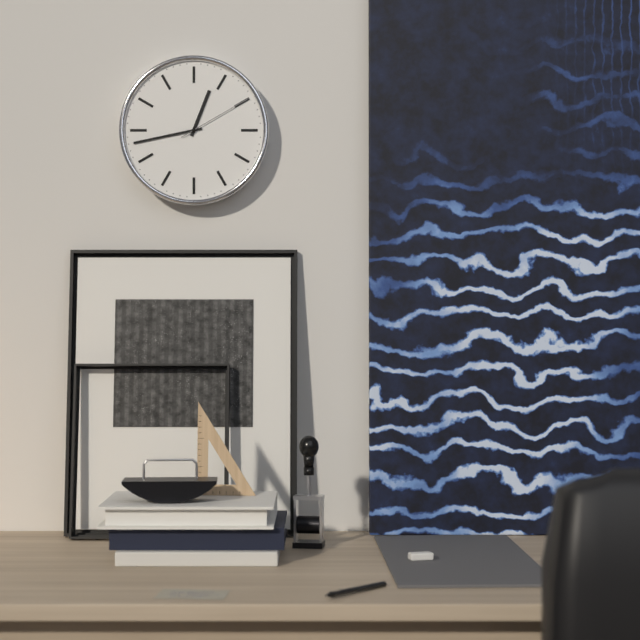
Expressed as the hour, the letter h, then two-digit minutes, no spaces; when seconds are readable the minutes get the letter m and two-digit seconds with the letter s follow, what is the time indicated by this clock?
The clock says 12h43m10s
